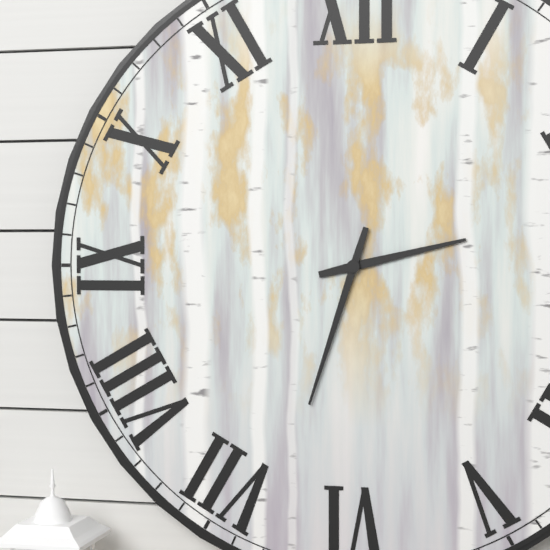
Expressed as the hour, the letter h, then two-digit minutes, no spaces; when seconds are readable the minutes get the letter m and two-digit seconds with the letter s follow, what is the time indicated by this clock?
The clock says 2h33
